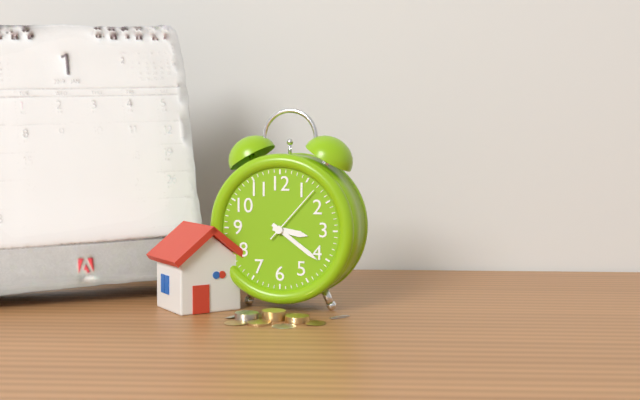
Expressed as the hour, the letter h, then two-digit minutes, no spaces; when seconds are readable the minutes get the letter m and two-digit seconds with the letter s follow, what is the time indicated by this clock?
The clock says 3h21m07s
